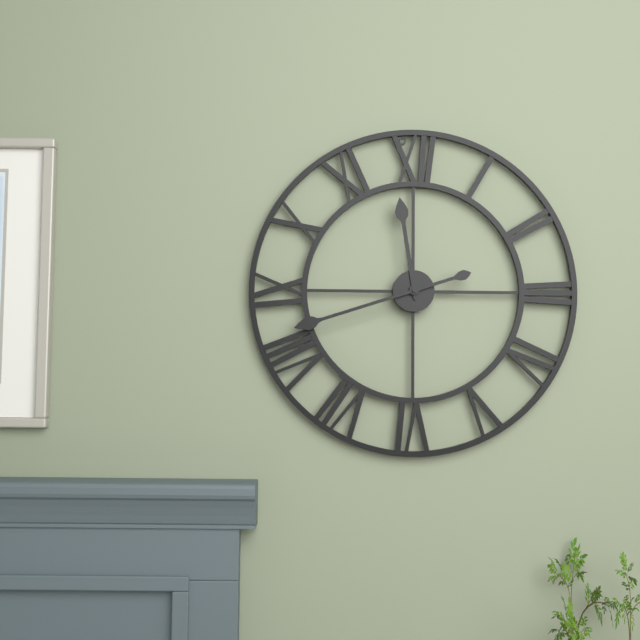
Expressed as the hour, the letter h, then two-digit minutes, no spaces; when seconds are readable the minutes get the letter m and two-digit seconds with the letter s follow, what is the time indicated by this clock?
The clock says 11h42
